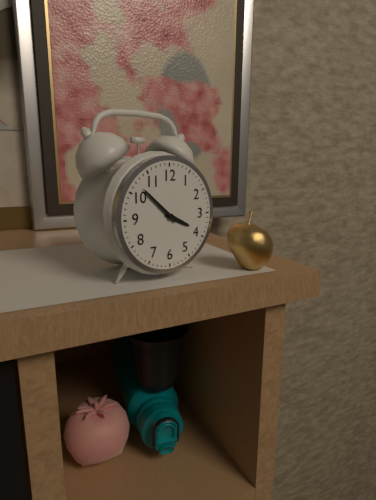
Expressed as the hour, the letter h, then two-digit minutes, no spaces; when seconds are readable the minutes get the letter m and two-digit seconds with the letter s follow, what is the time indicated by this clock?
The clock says 3h52
